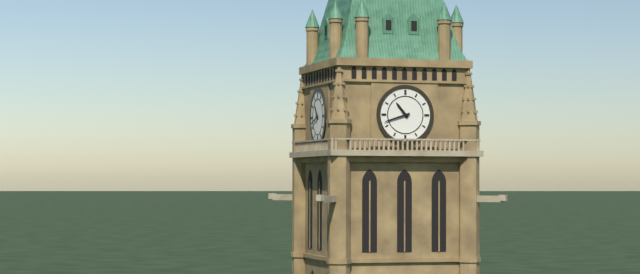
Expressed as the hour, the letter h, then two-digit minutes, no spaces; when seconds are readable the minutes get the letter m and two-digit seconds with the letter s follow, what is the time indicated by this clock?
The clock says 10h42
